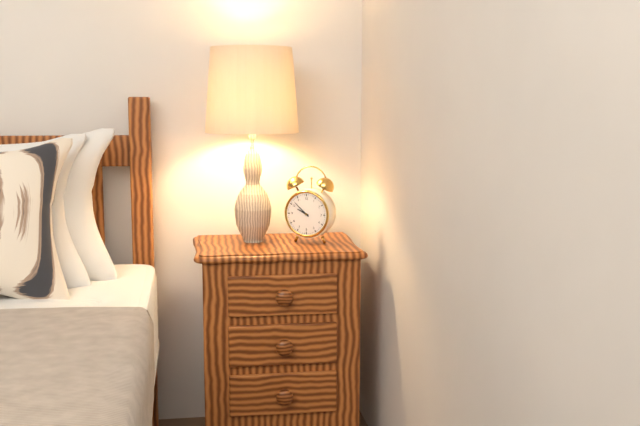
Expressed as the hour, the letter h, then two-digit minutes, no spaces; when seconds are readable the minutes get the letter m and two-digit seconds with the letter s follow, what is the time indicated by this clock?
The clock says 9h52
